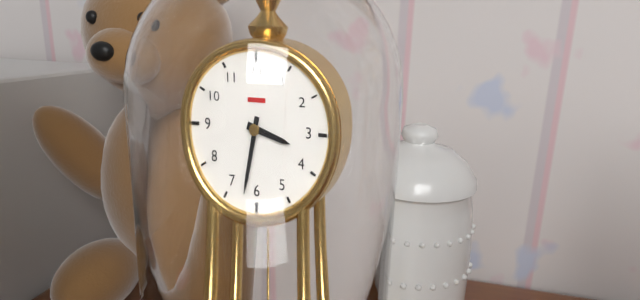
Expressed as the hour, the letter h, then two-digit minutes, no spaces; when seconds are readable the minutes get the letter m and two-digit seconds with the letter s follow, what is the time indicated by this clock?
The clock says 3h32
